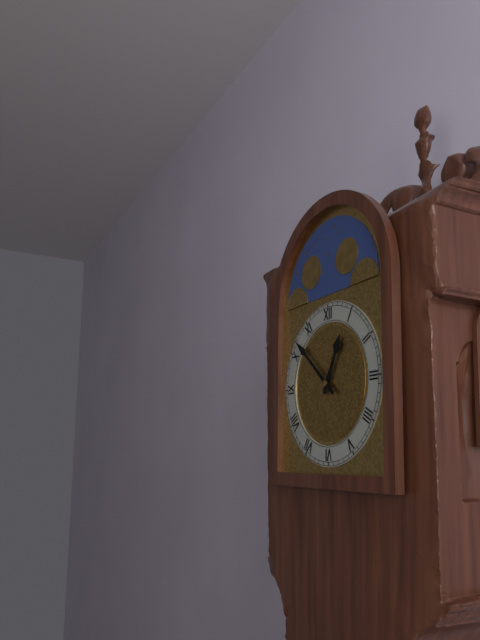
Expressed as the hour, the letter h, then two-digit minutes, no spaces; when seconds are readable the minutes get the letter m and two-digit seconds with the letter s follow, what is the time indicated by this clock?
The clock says 12h52
